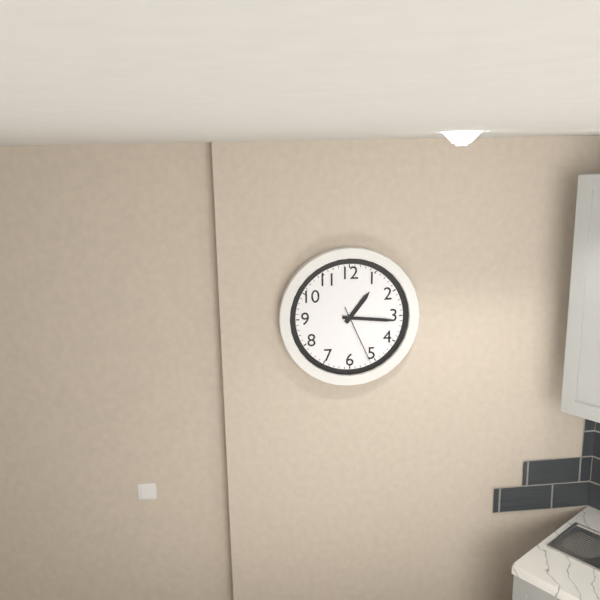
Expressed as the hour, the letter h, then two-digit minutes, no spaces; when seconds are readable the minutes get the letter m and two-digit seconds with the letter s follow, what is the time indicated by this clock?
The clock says 1h16m26s
